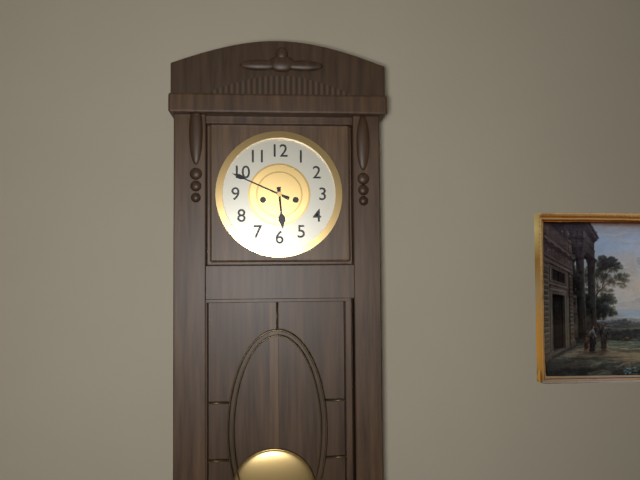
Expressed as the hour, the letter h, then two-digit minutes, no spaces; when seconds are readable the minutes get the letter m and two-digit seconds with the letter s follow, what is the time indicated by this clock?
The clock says 5h49
